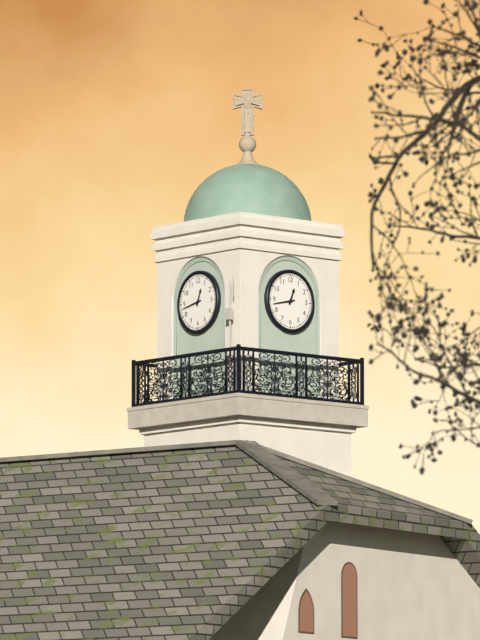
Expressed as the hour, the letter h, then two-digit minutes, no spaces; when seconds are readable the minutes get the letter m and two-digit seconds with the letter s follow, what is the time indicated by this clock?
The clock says 12h43
